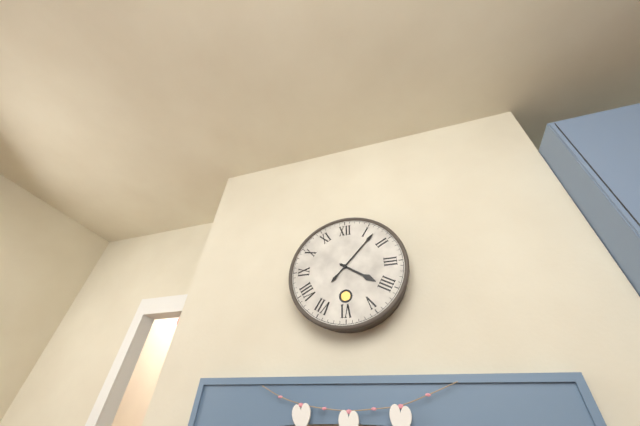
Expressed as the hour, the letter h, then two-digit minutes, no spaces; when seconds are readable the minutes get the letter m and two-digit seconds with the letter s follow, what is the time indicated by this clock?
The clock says 4h07
